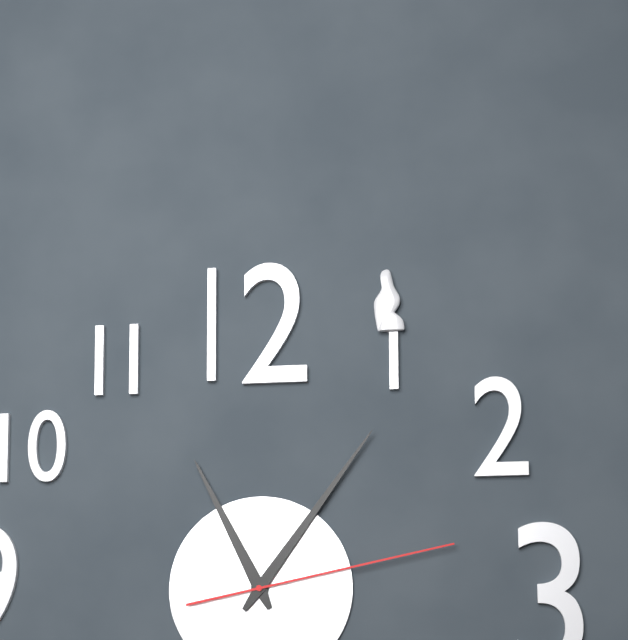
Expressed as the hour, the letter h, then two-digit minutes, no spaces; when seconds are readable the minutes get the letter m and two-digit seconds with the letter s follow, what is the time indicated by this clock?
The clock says 11h06m13s
